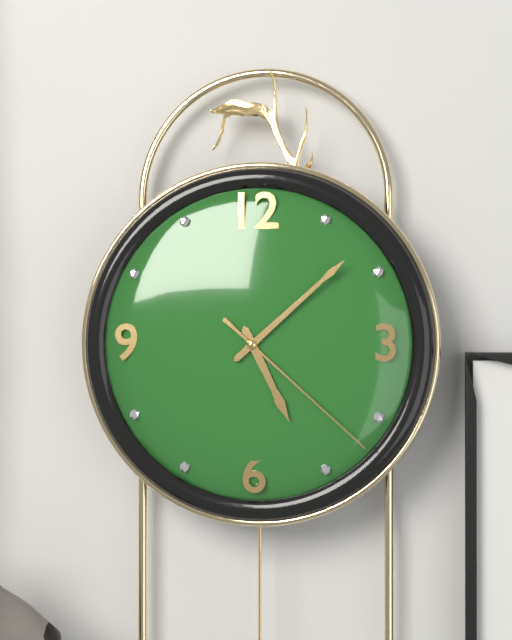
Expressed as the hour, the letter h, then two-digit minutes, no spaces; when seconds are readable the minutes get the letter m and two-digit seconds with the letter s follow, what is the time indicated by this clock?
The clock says 5h08m22s
